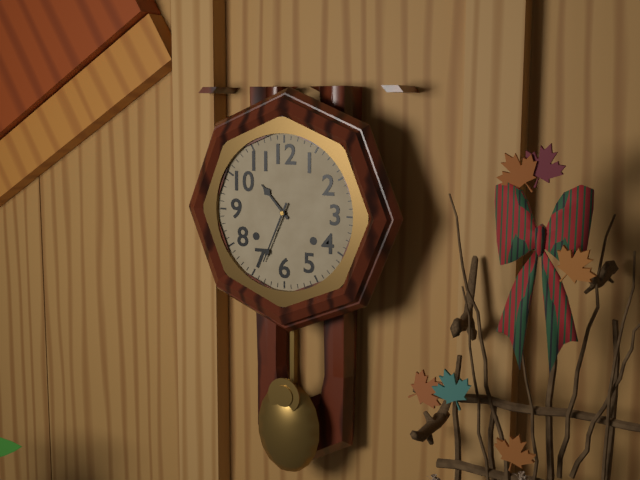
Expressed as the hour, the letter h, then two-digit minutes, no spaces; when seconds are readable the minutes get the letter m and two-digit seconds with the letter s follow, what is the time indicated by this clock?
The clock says 10h34
